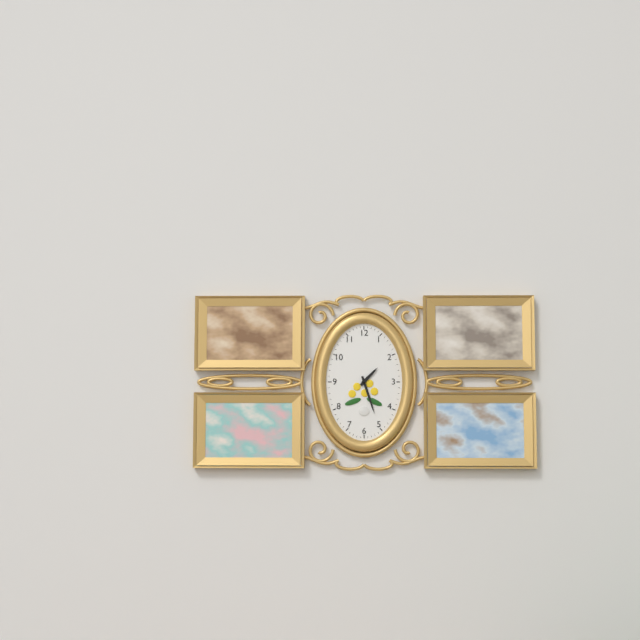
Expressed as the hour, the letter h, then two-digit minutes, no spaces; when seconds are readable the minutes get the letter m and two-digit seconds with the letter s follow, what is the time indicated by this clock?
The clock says 1h27
